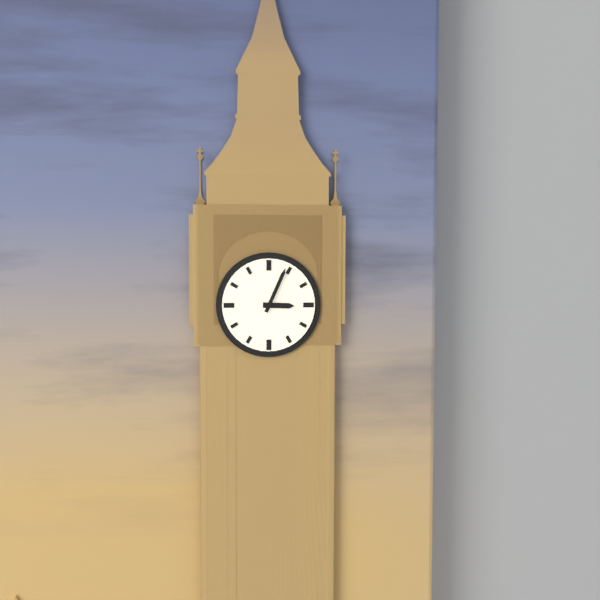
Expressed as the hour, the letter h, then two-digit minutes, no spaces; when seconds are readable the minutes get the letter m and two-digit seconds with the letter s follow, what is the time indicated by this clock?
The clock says 3h04
